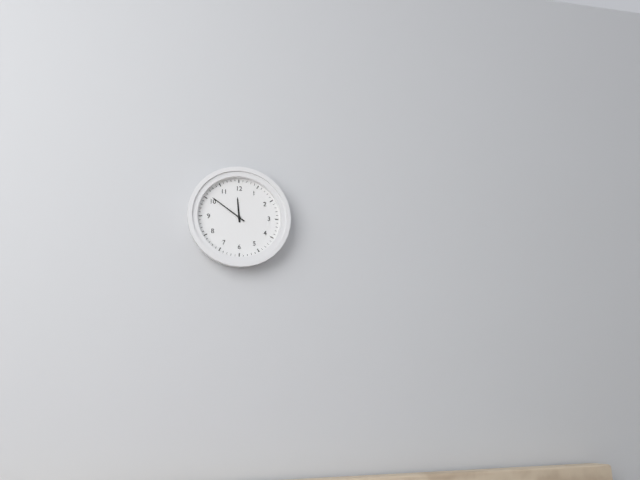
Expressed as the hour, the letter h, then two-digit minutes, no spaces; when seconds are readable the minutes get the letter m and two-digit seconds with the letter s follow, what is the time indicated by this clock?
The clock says 11h51
